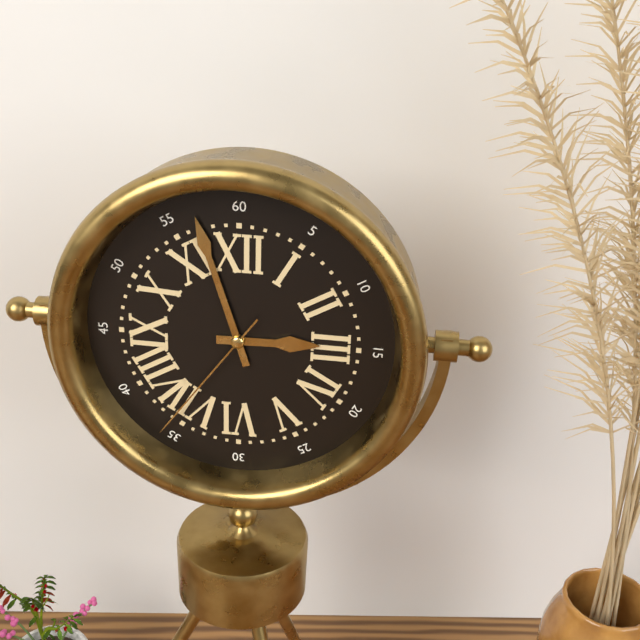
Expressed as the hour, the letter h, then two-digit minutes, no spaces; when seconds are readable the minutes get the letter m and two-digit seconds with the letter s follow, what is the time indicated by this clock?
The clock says 2h57m36s
